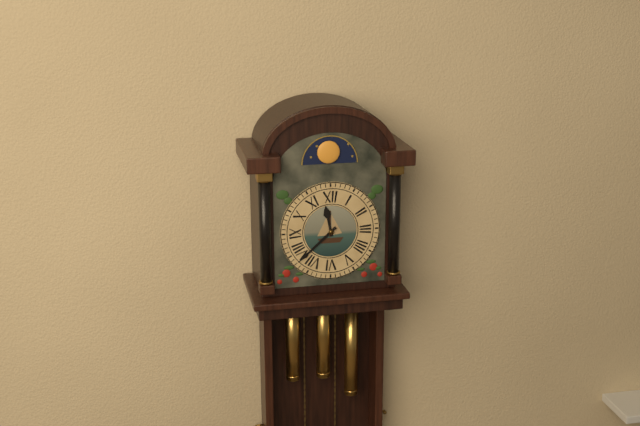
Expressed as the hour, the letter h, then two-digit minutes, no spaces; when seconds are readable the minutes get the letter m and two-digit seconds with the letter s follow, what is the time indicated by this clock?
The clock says 11h38
